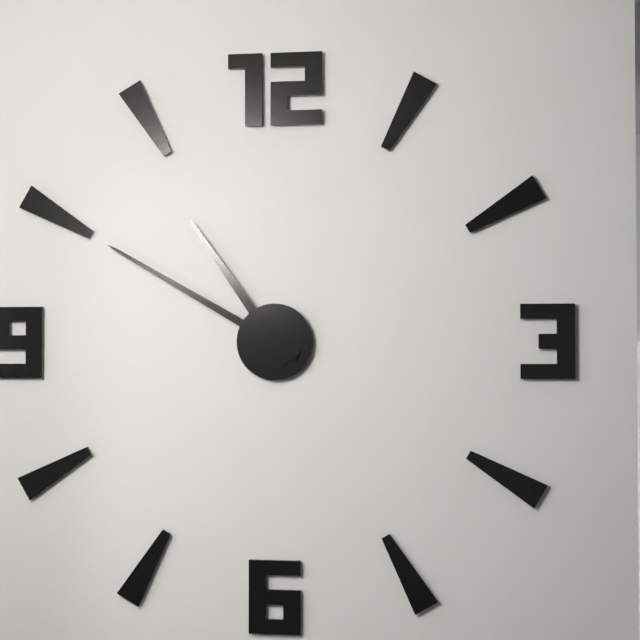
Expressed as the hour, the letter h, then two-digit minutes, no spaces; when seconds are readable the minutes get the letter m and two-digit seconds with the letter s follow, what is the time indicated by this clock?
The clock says 10h50
